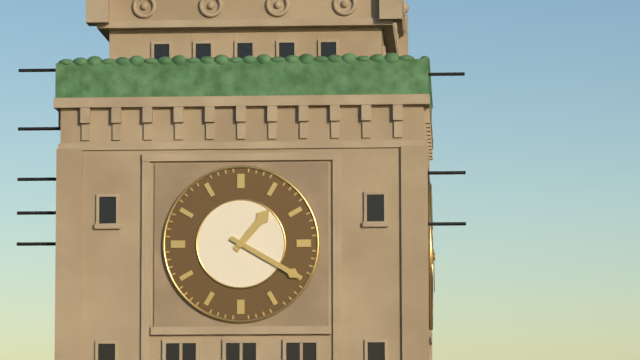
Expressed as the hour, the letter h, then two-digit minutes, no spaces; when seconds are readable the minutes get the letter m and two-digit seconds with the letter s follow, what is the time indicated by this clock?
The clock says 1h20
